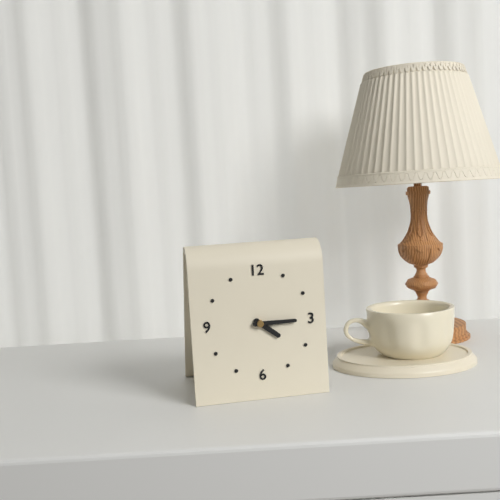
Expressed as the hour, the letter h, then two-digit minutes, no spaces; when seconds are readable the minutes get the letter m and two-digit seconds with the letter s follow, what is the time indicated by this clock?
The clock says 4h15
